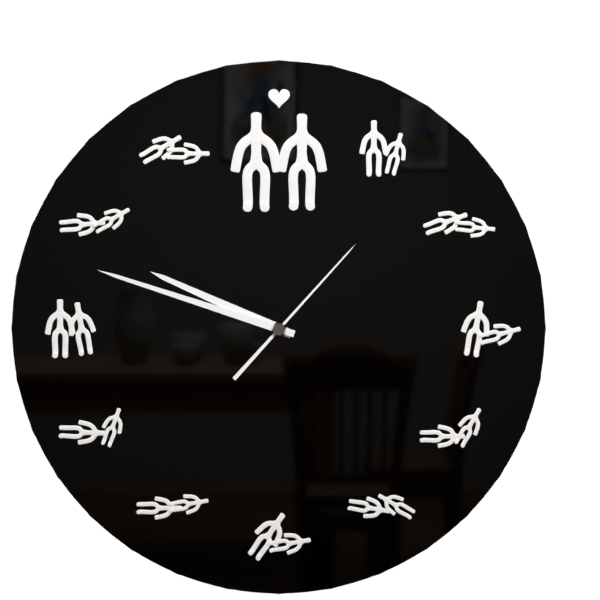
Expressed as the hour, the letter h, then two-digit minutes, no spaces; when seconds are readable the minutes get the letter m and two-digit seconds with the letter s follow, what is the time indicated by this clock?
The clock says 9h48m07s
